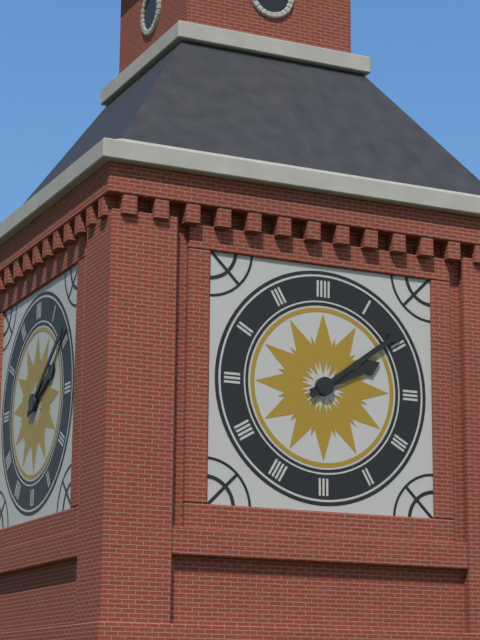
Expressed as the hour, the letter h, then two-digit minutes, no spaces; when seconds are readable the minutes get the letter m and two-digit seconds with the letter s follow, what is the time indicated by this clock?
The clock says 2h09
